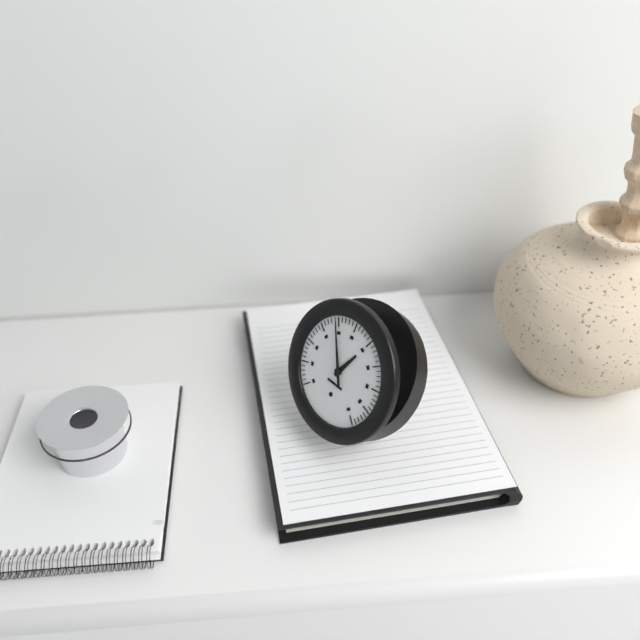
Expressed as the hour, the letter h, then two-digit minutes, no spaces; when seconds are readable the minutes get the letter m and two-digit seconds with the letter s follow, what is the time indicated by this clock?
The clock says 12h55
